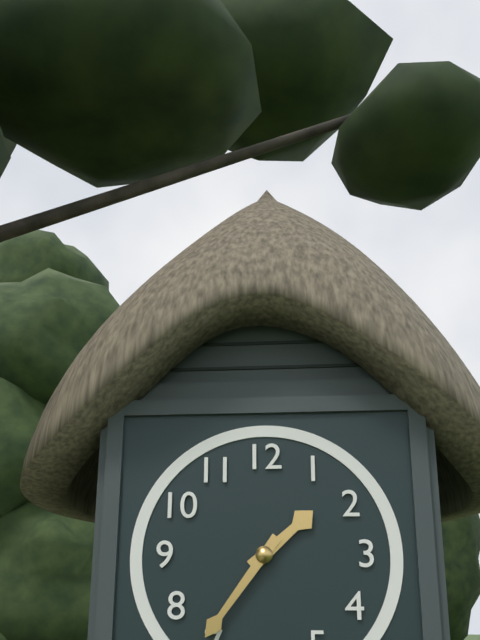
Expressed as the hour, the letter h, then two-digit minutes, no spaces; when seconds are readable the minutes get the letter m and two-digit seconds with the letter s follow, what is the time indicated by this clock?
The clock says 1h36
